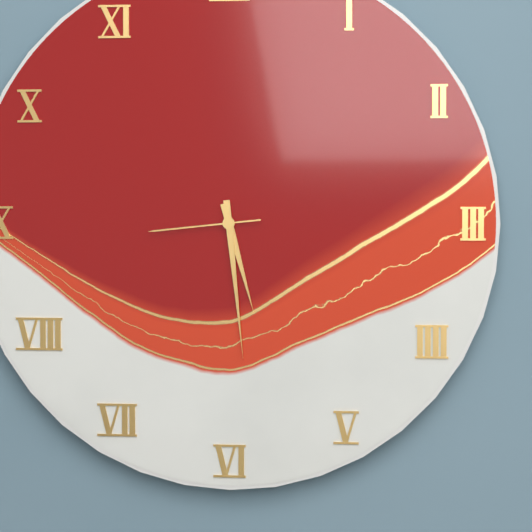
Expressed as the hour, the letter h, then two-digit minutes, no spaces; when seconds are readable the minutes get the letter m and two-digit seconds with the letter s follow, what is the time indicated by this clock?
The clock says 5h29m44s
